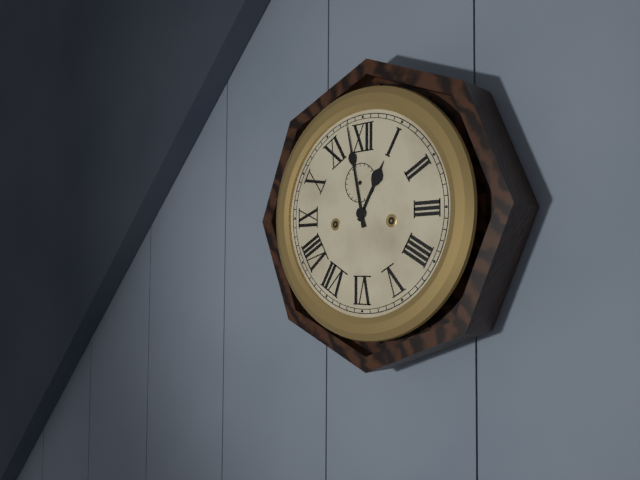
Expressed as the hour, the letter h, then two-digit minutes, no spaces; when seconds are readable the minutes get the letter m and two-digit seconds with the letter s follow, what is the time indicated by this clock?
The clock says 12h58
